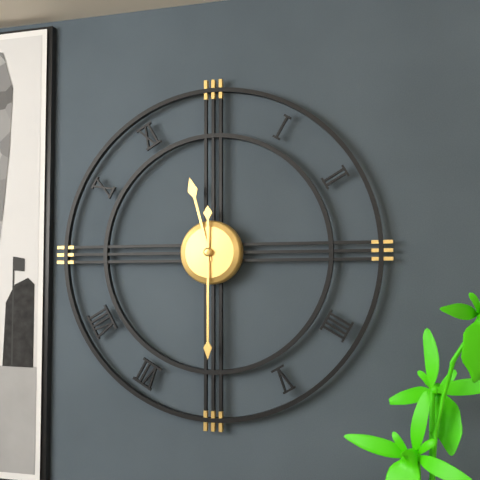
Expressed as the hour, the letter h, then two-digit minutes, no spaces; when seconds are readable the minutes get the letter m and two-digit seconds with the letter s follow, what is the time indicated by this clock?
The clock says 11h30
